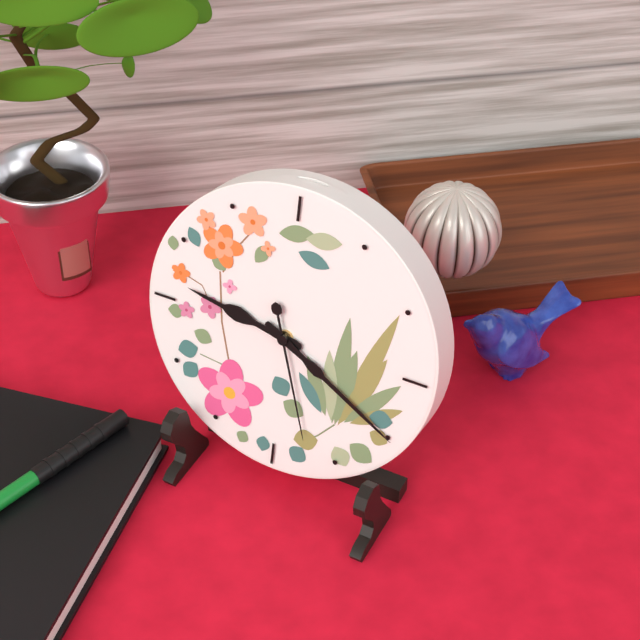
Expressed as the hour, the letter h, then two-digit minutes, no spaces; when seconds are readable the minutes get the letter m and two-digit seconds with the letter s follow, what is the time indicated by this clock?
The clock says 9h20m27s
